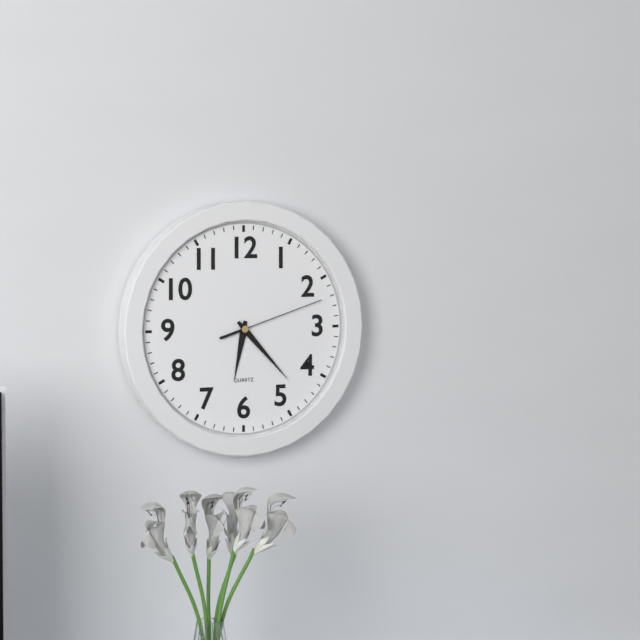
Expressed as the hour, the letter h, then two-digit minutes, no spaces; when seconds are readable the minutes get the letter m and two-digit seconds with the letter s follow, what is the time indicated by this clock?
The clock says 6h23m12s
